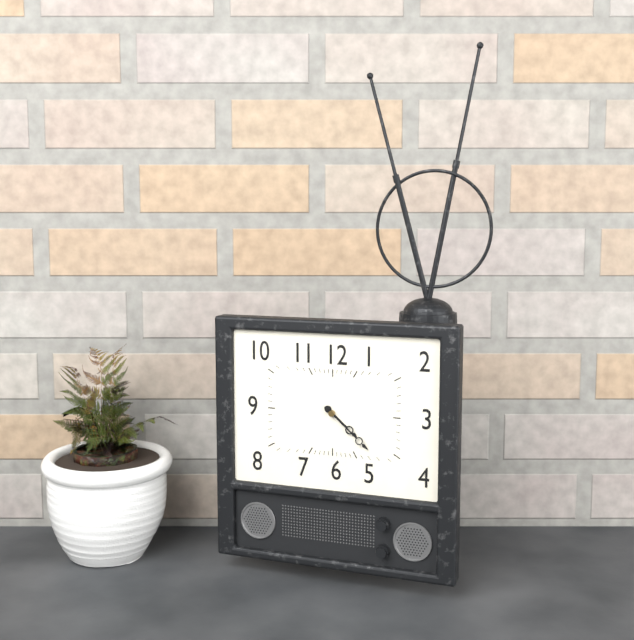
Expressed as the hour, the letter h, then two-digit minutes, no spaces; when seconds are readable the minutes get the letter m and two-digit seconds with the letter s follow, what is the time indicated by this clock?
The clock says 4h22
